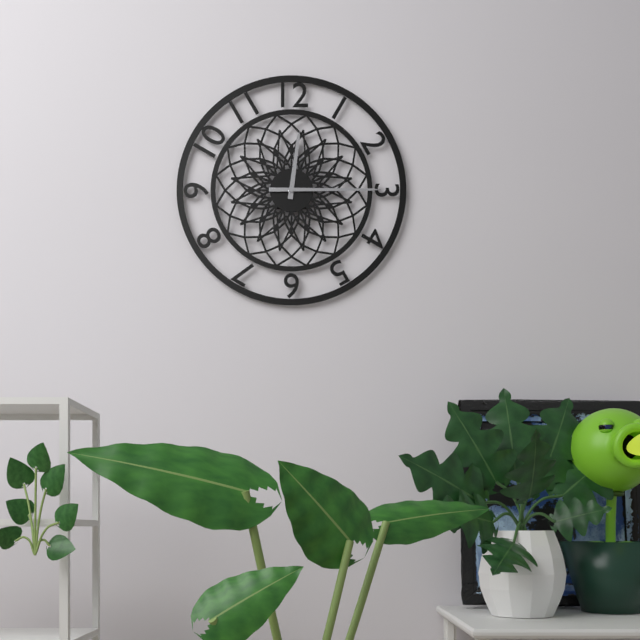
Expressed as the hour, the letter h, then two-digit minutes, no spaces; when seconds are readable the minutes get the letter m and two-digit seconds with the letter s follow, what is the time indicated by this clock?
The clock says 12h15
